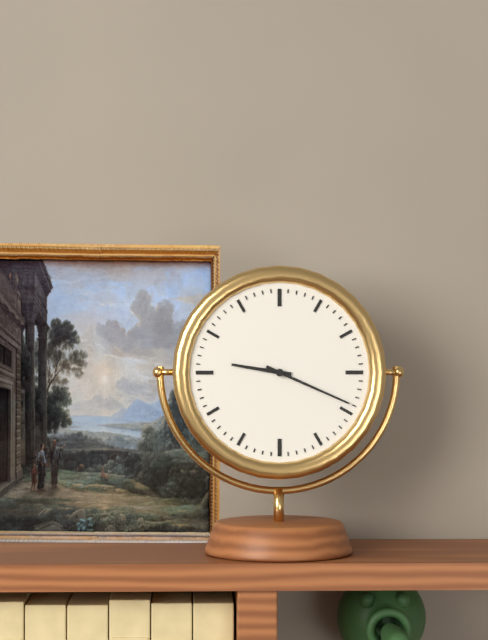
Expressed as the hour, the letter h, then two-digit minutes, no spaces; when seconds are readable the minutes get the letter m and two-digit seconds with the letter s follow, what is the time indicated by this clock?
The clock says 9h19
